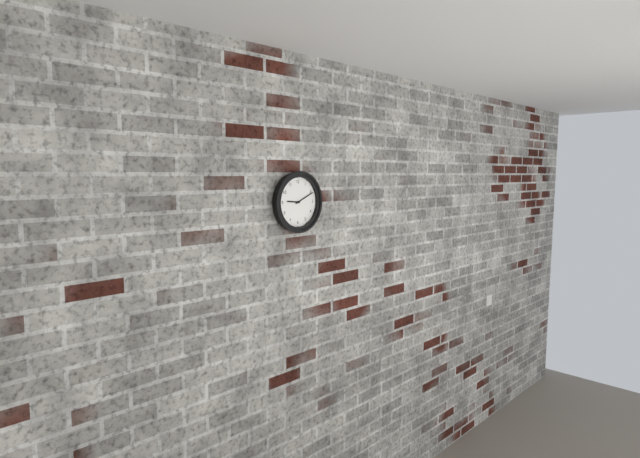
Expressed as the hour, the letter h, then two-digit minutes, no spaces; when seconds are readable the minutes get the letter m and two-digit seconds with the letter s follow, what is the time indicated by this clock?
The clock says 9h11
